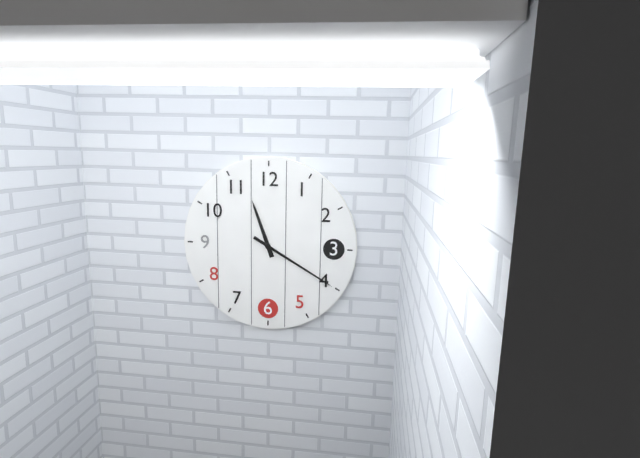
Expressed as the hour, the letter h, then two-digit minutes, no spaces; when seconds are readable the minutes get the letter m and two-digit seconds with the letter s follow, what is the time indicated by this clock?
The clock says 11h20
